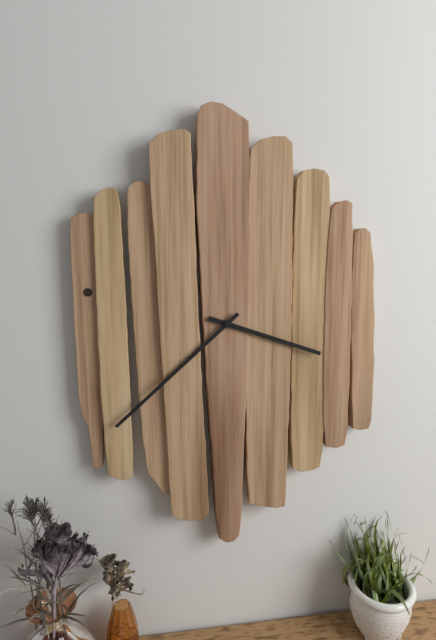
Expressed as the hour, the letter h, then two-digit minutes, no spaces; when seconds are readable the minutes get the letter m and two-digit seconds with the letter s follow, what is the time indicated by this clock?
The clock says 3h38
